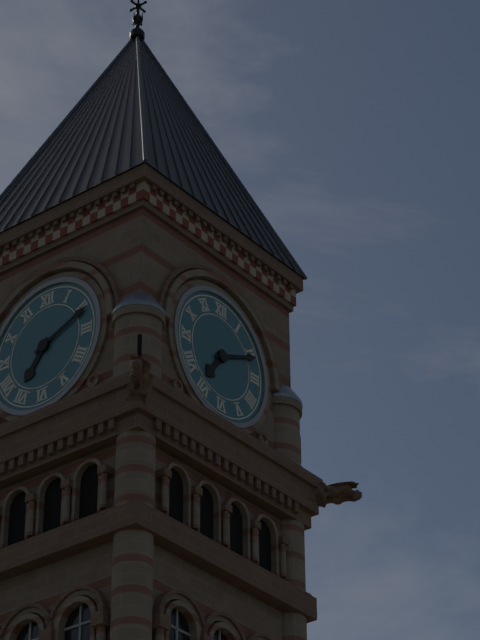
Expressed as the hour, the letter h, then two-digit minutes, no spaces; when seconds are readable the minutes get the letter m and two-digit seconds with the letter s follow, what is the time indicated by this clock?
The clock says 7h11
